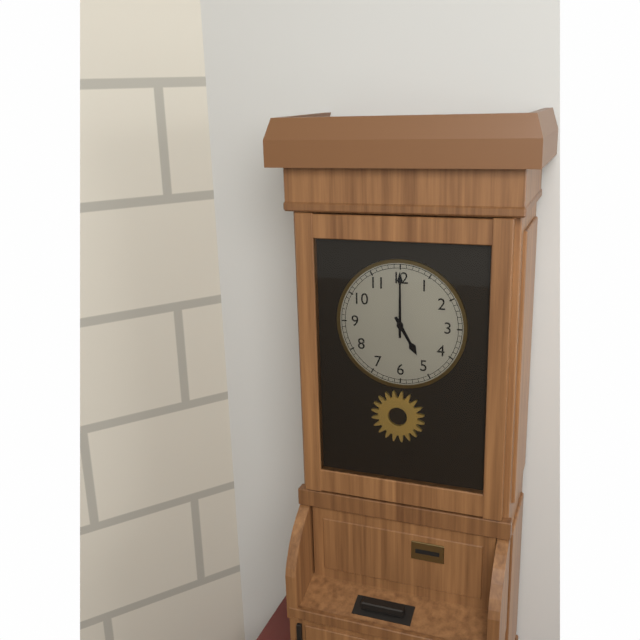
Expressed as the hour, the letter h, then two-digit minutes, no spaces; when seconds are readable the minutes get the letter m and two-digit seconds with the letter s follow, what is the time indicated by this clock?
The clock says 5h00
